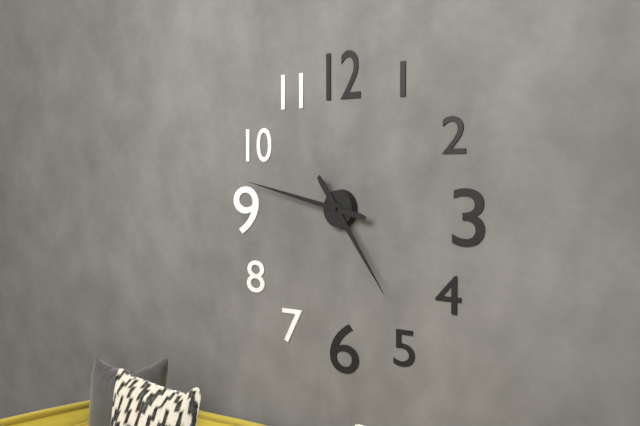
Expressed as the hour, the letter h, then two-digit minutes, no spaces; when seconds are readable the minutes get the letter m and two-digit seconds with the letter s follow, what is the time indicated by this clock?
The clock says 4h47
